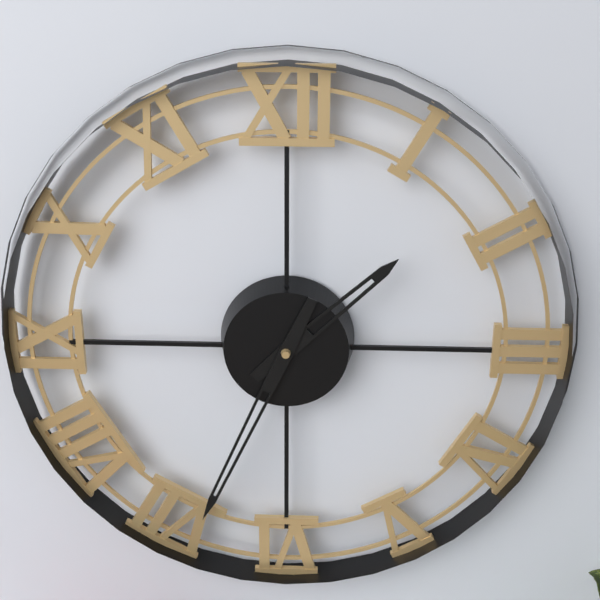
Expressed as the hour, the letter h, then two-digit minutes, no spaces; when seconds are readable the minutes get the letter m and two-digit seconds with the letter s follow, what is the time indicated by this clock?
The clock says 1h34
